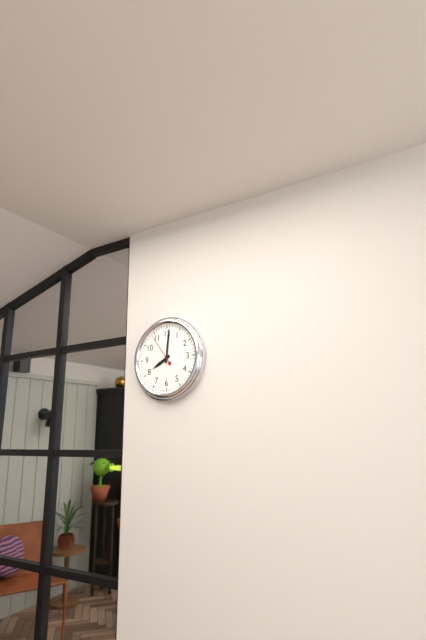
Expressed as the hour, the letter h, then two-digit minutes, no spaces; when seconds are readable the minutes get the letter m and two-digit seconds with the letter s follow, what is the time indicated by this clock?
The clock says 8h01
